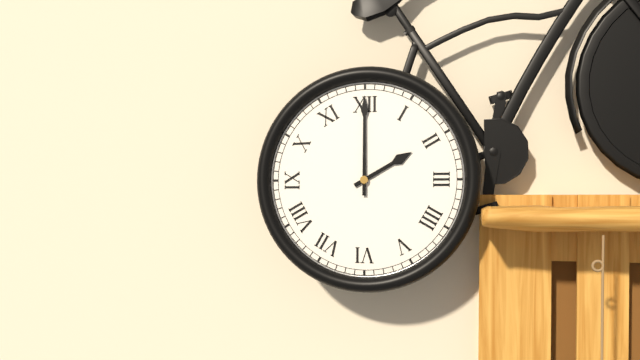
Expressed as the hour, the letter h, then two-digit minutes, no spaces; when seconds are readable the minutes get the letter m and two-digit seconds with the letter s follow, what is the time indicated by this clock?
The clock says 2h00
